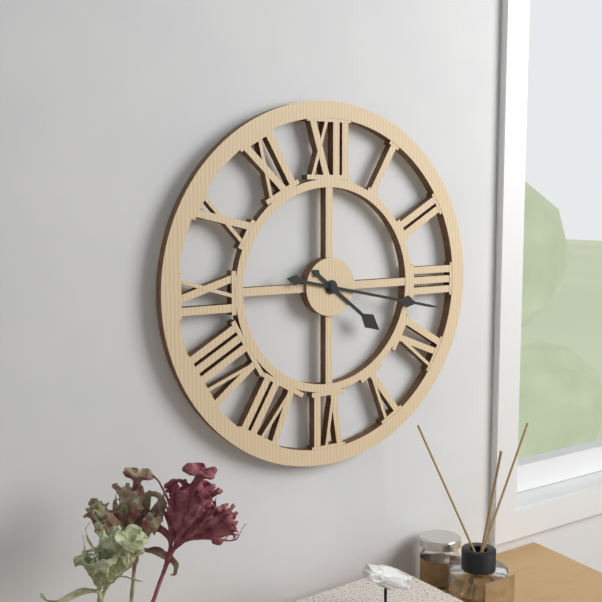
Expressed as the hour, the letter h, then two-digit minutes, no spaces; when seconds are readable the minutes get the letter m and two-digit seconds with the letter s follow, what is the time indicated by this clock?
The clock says 4h17
